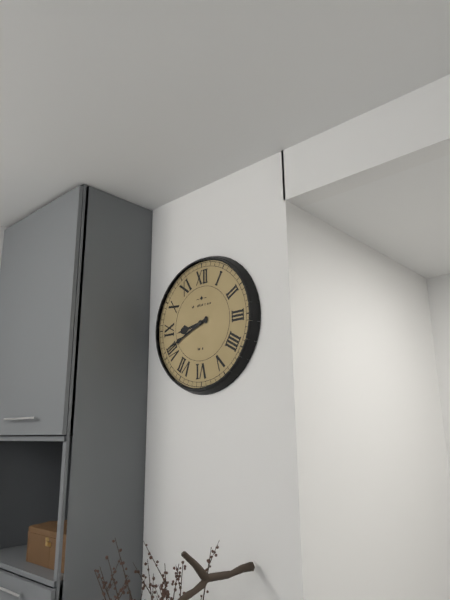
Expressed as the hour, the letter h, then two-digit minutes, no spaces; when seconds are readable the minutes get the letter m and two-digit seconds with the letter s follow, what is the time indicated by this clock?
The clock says 8h41
